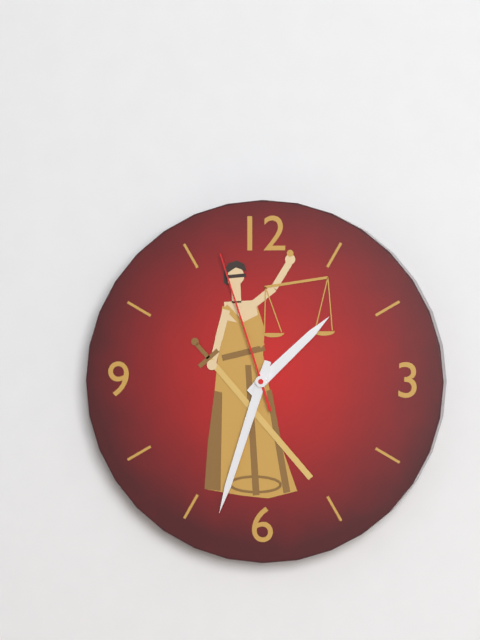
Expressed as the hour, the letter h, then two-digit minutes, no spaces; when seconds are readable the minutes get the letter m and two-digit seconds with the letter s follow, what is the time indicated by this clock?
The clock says 1h33m57s
